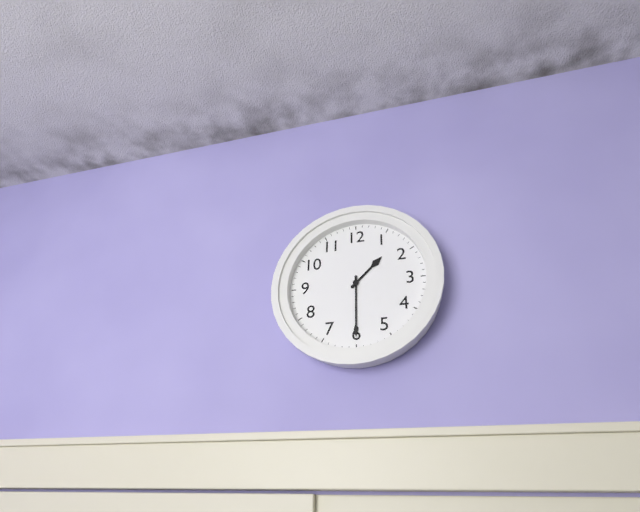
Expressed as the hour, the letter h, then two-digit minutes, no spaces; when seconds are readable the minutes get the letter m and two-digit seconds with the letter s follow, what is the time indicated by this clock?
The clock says 1h30
